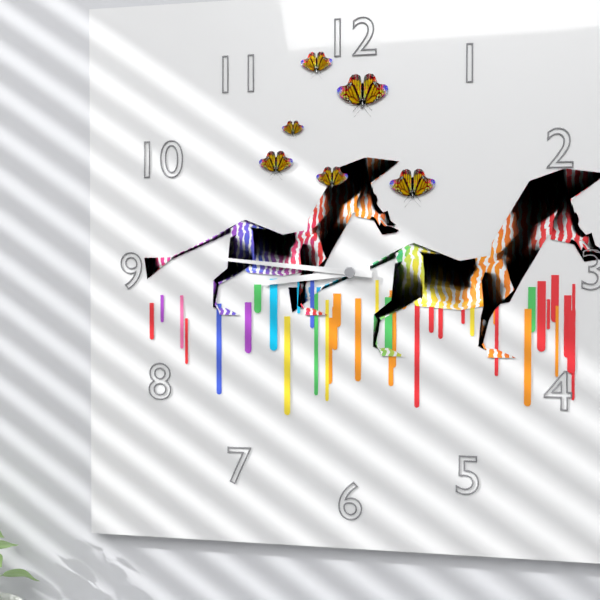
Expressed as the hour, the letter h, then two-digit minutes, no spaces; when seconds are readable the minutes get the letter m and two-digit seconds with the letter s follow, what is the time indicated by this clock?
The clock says 8h46
